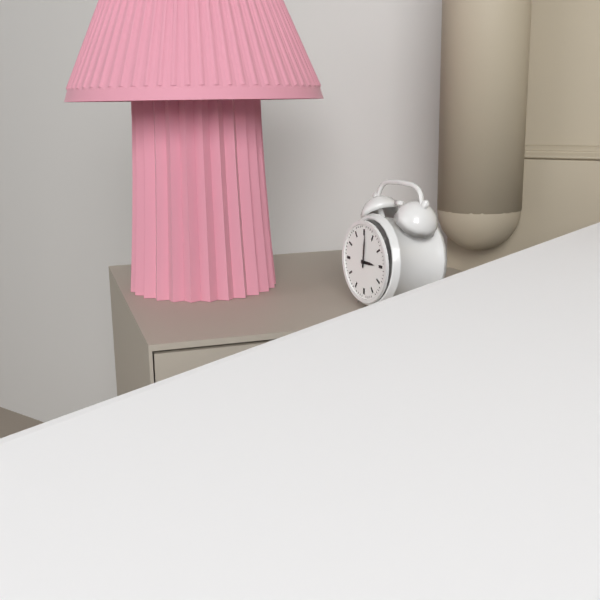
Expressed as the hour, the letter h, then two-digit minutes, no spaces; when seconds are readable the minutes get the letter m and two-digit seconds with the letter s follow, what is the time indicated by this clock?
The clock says 3h01
